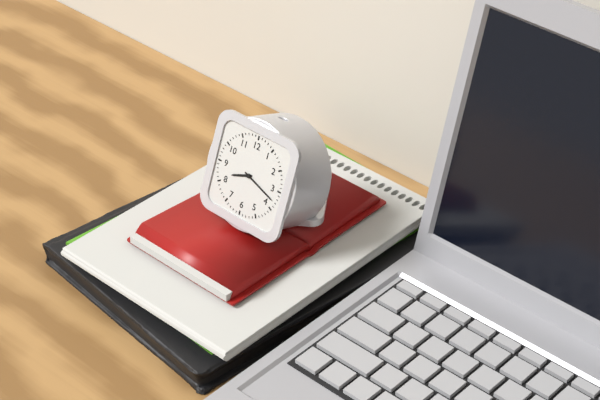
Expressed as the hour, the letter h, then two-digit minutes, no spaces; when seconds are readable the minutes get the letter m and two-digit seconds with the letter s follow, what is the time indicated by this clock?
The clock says 8h18
